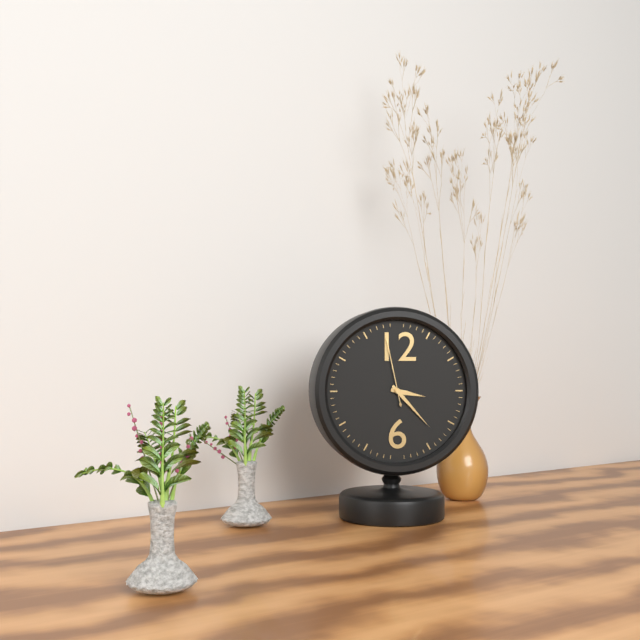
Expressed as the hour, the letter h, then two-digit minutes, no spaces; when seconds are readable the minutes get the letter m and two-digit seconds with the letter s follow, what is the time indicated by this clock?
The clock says 3h23m58s
